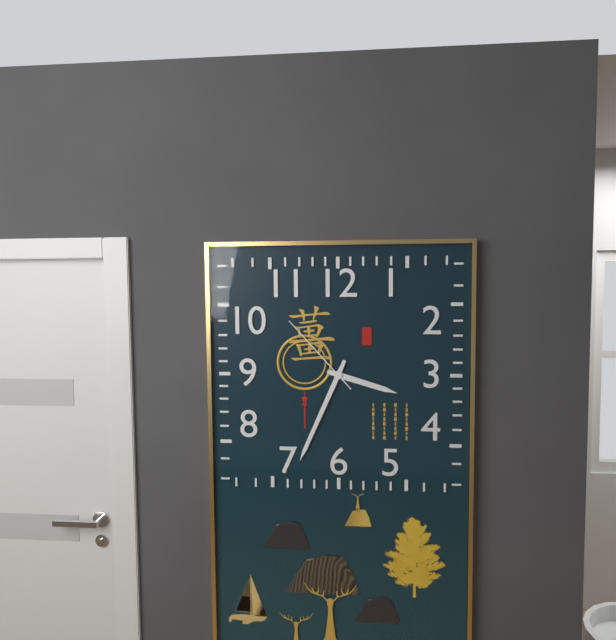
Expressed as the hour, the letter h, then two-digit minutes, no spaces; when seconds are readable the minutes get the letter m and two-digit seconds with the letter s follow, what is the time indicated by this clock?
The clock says 3h34m53s
